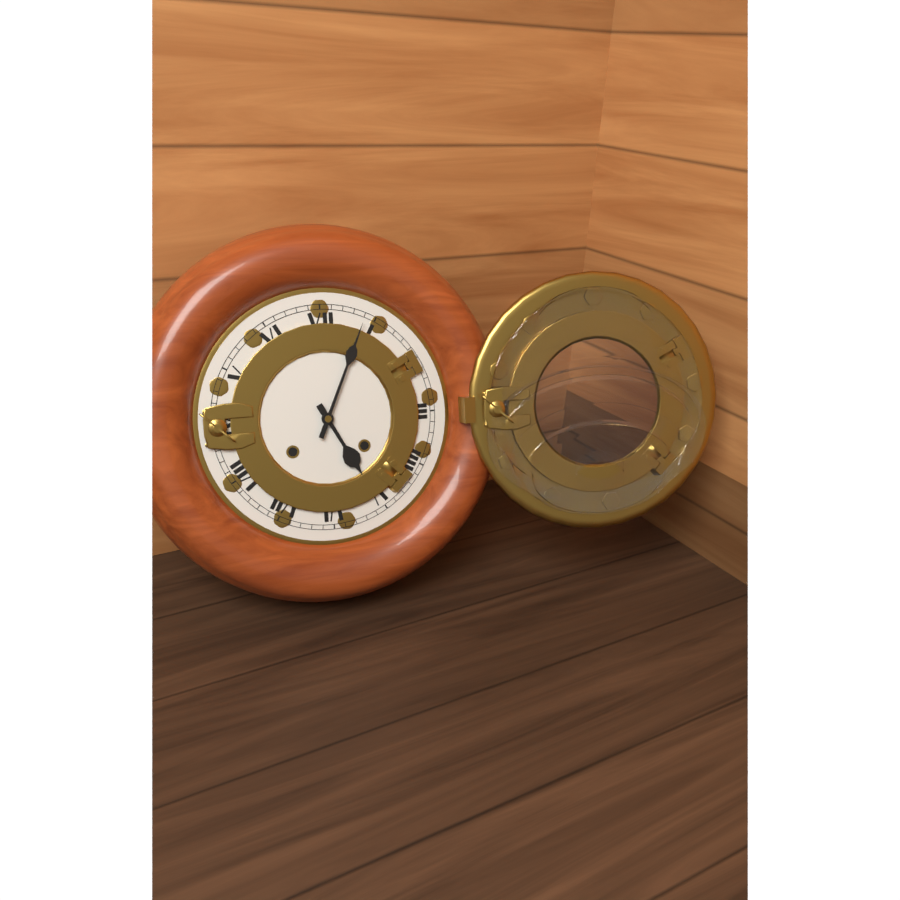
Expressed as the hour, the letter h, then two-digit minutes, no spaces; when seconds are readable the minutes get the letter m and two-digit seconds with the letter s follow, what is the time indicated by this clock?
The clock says 5h04
